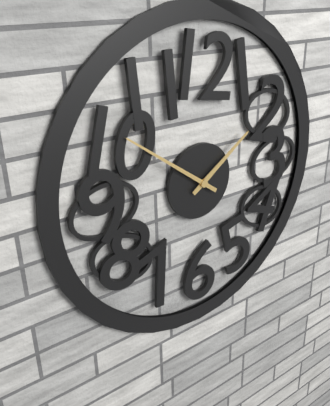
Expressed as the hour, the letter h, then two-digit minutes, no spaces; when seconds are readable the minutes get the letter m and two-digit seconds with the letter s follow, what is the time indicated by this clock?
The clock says 1h51
